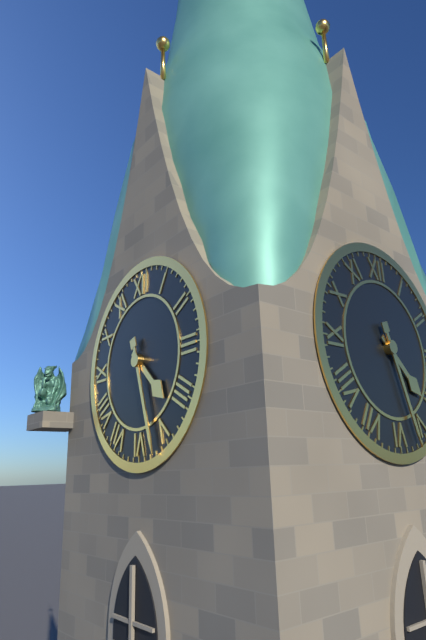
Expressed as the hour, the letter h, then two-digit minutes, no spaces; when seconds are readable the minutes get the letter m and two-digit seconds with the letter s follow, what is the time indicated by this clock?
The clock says 4h27
